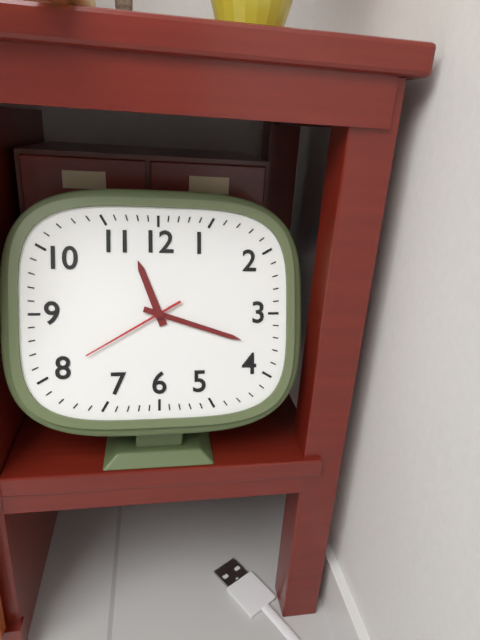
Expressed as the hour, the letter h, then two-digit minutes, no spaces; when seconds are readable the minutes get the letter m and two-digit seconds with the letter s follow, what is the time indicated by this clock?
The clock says 11h18m40s
